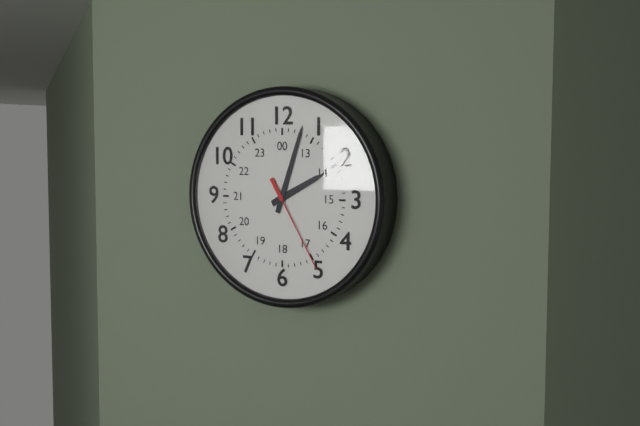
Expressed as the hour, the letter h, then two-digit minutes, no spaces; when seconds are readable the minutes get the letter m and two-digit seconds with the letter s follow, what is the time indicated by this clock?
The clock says 2h03m25s
